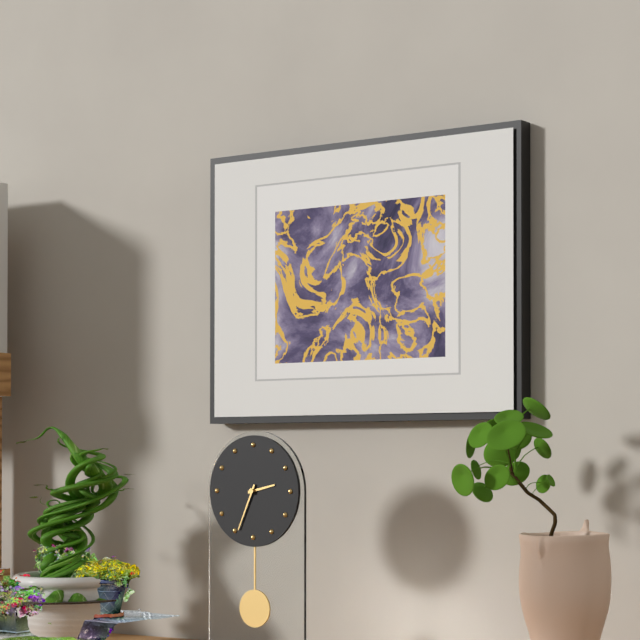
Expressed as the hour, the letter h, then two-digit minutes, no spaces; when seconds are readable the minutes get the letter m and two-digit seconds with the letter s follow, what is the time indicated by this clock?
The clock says 2h34
